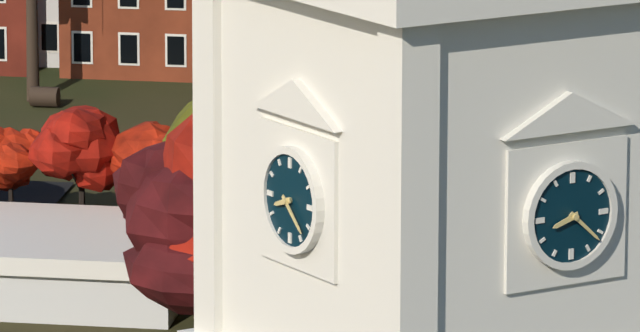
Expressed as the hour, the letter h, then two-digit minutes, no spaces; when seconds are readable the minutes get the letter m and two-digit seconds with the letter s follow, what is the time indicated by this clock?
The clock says 8h22
